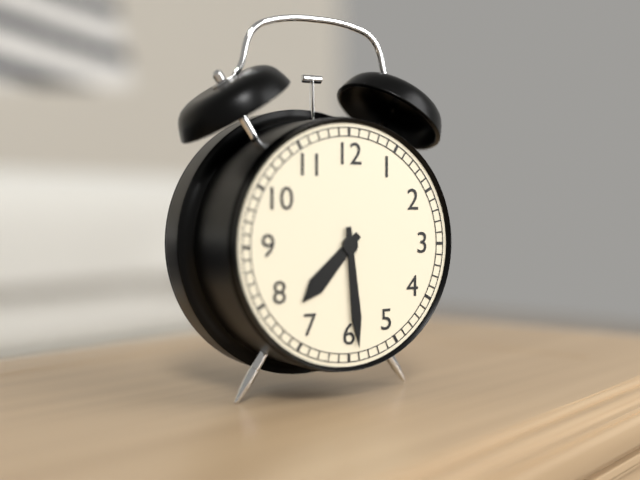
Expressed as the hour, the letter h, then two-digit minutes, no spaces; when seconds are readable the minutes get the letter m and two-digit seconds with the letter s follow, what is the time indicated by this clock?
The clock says 7h29
